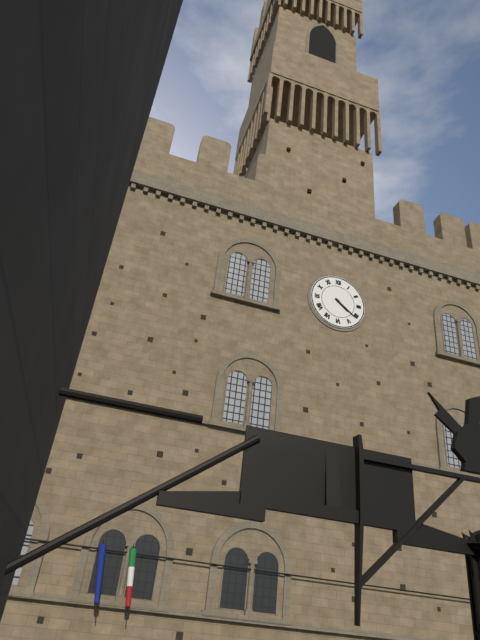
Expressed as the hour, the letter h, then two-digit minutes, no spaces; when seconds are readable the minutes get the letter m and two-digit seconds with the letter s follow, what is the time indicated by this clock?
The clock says 4h21
